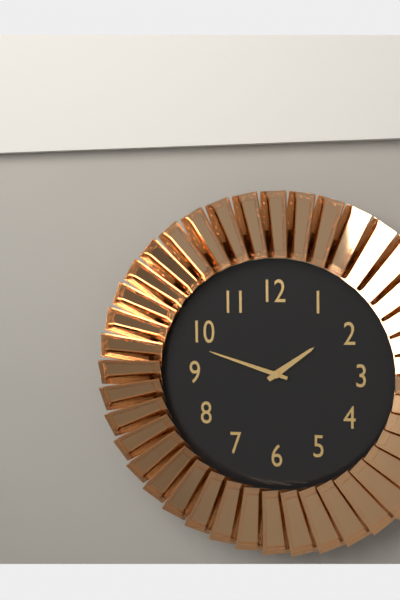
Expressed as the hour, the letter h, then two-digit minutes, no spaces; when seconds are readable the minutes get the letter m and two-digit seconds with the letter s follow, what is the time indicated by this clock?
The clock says 1h48
